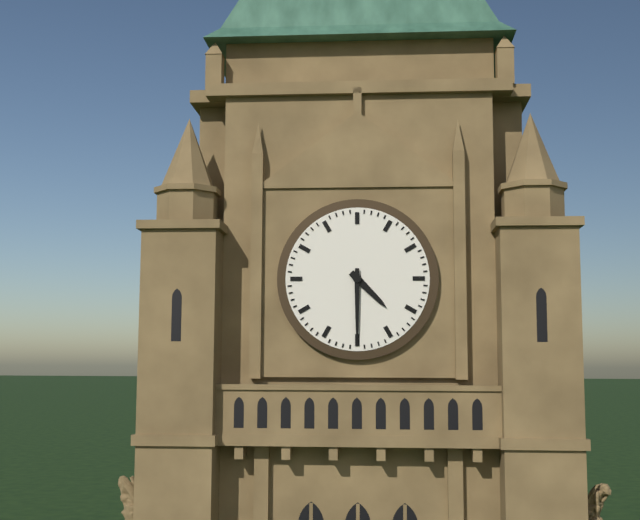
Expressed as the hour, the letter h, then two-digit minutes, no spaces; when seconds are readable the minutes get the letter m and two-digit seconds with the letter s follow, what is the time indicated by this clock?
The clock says 4h30
